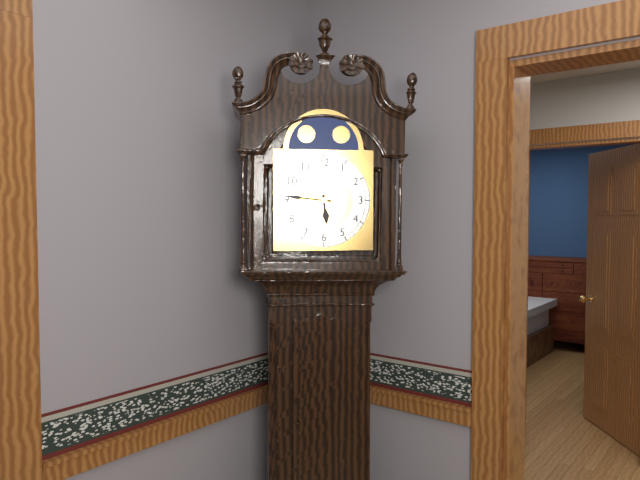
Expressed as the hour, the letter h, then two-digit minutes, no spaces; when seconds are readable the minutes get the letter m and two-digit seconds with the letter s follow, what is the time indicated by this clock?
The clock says 5h46
